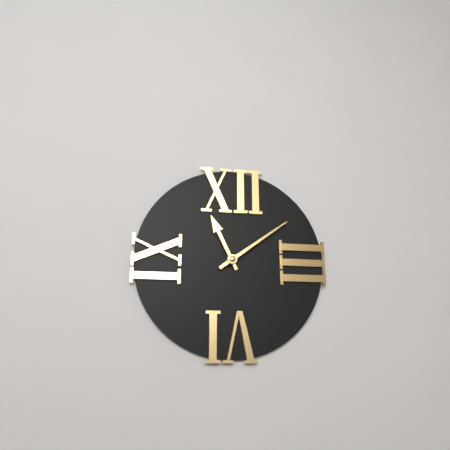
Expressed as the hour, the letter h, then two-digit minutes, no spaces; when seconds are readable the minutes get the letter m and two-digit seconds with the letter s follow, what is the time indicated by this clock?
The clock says 11h09
